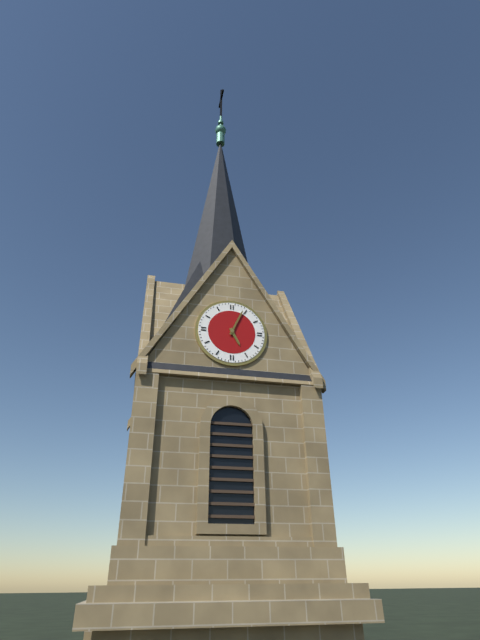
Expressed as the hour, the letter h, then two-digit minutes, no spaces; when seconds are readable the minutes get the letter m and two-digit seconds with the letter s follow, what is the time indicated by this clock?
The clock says 5h04
